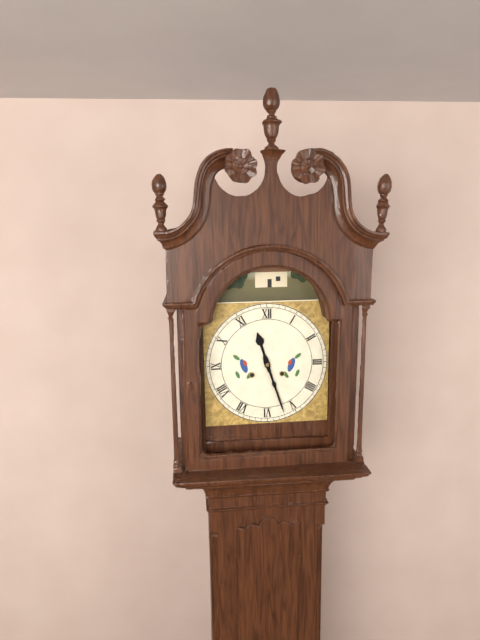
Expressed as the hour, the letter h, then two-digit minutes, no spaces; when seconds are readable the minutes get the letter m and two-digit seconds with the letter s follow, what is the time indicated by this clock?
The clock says 11h27
